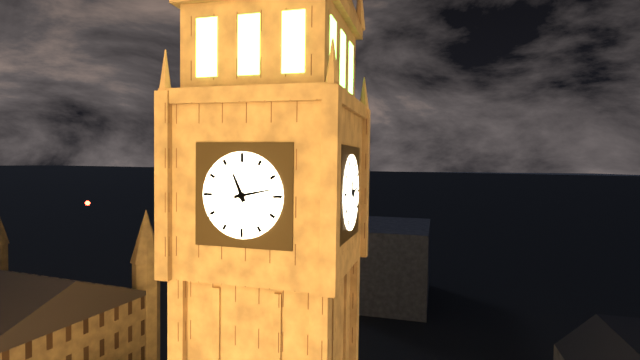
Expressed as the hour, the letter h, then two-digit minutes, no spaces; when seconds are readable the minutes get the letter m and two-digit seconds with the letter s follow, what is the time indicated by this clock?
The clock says 11h13
